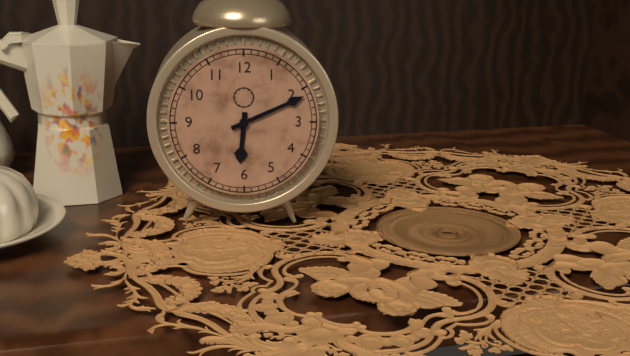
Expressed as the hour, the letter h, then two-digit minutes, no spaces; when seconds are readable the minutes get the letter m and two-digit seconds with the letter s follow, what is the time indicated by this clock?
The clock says 6h11
